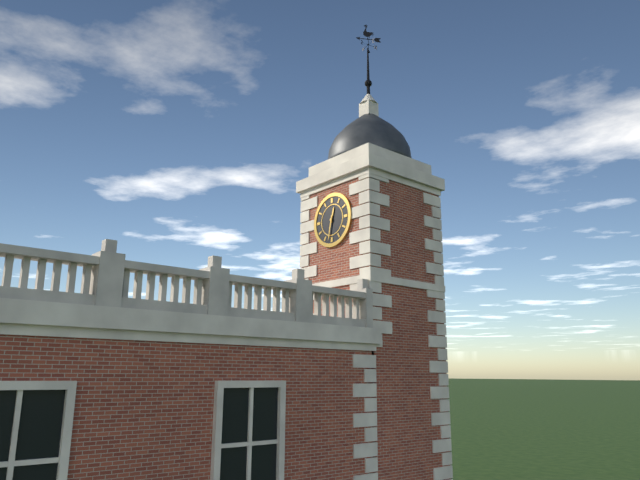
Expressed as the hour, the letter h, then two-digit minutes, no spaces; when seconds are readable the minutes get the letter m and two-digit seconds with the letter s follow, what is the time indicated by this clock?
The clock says 12h32
